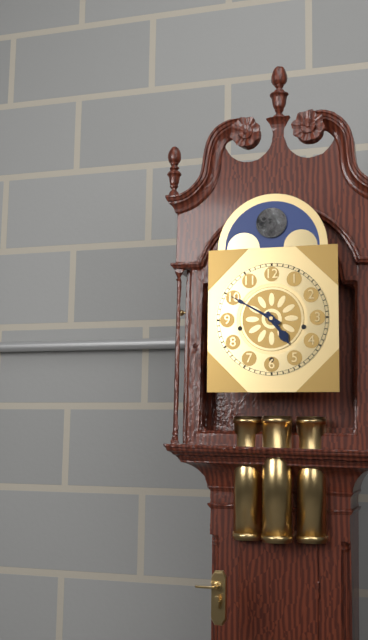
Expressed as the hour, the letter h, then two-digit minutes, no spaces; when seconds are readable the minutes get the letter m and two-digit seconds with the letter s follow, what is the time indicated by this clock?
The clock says 4h50
